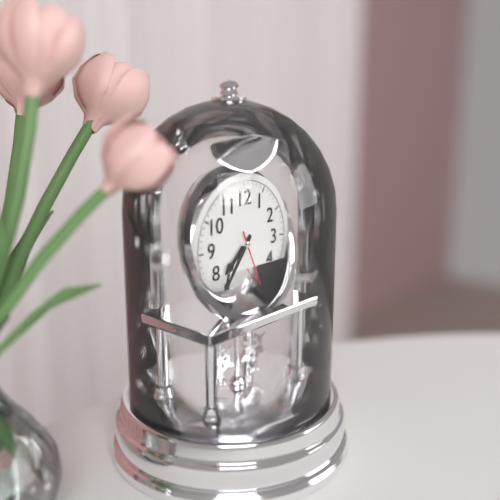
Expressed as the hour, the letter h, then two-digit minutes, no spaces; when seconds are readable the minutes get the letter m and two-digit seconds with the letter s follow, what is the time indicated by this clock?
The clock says 7h36m26s
